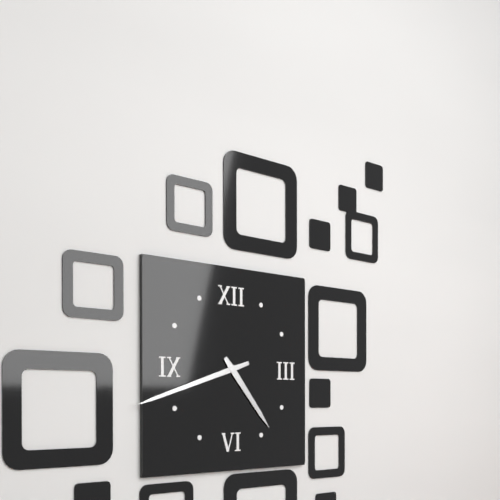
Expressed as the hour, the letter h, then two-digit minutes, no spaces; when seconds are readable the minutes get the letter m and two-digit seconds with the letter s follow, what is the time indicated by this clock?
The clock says 4h42
